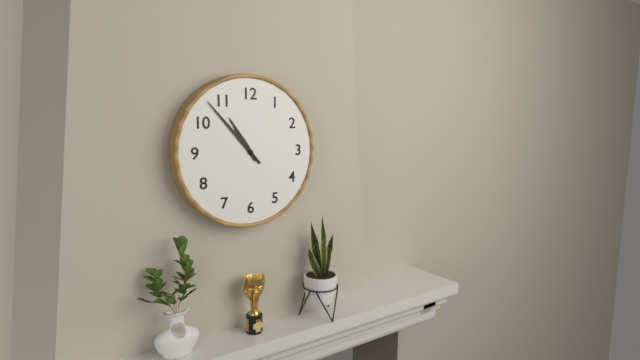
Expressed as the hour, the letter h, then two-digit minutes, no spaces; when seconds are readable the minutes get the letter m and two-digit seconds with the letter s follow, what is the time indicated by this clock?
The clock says 10h53
